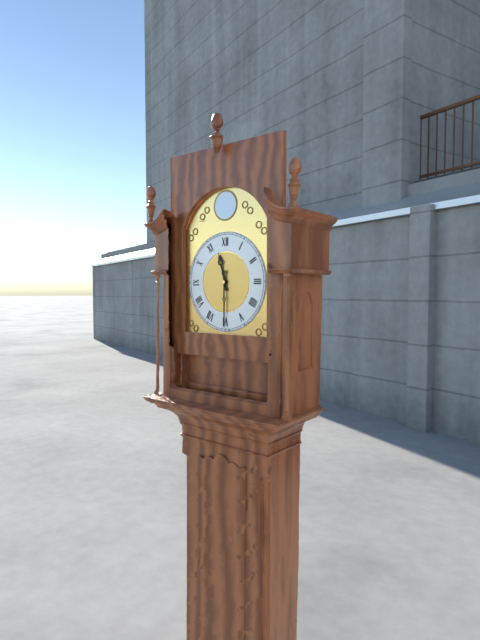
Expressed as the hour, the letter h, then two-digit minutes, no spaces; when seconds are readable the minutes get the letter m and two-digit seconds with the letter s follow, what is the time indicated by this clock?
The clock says 11h30
